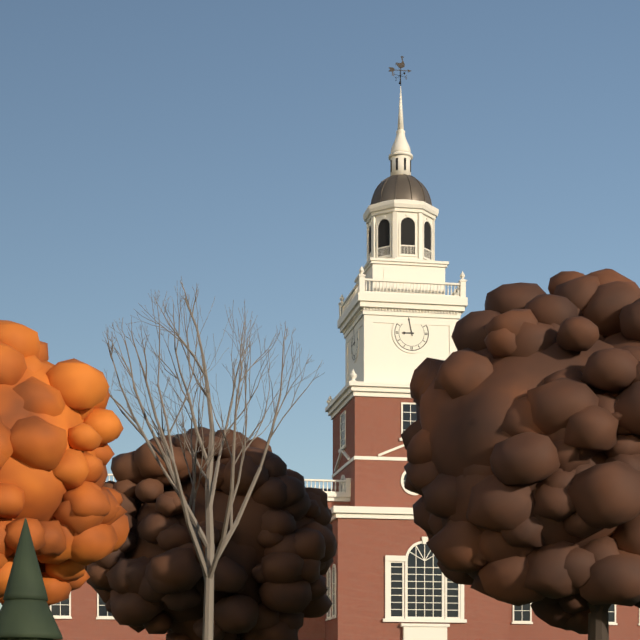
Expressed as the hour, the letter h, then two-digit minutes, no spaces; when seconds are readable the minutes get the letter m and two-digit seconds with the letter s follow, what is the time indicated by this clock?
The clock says 8h58
